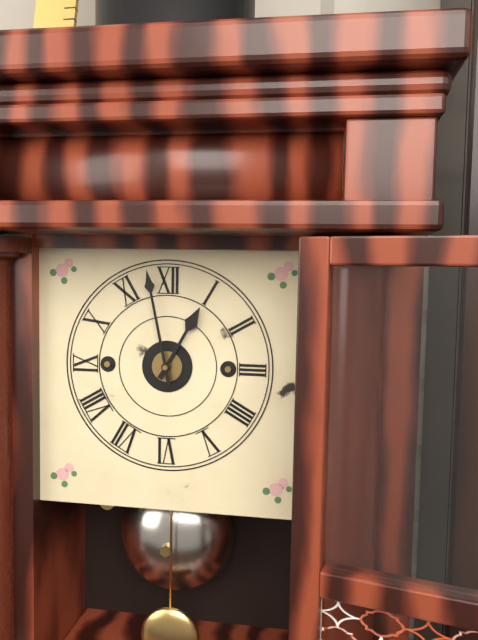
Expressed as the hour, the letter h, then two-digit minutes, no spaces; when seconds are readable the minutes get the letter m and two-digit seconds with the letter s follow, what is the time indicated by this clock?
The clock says 12h58
